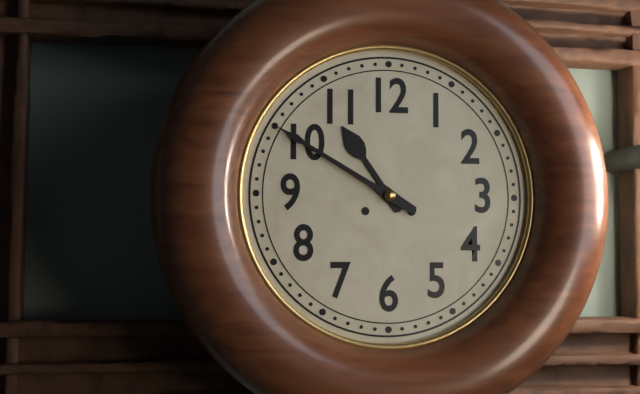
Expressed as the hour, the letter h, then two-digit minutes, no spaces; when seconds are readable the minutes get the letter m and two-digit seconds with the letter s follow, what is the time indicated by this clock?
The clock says 10h50
